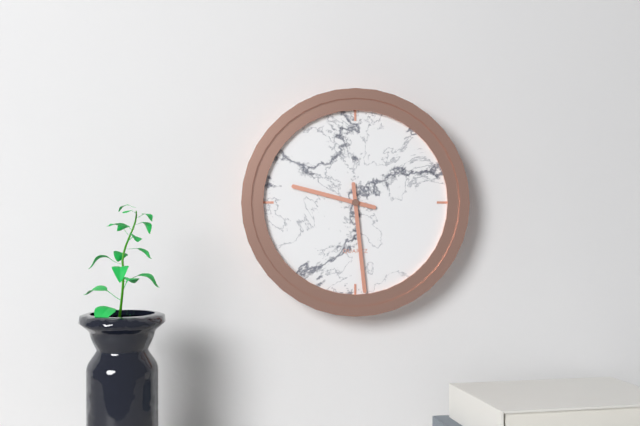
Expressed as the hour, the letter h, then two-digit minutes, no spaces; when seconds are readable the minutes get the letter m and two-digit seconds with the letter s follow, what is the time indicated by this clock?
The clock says 9h29
